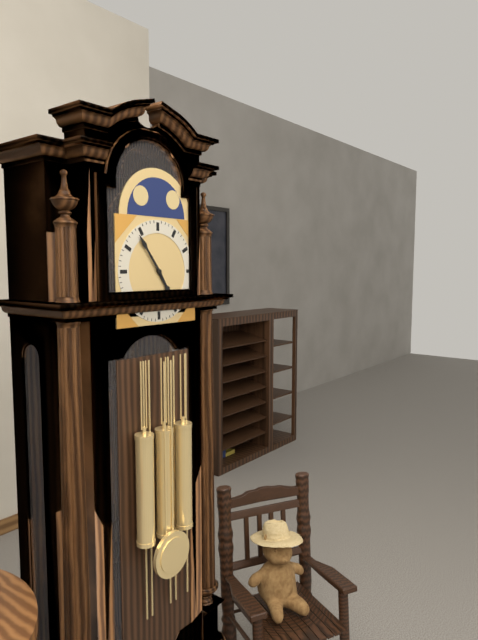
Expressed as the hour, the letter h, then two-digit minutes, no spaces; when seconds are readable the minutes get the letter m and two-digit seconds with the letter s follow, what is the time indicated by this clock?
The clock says 4h54
